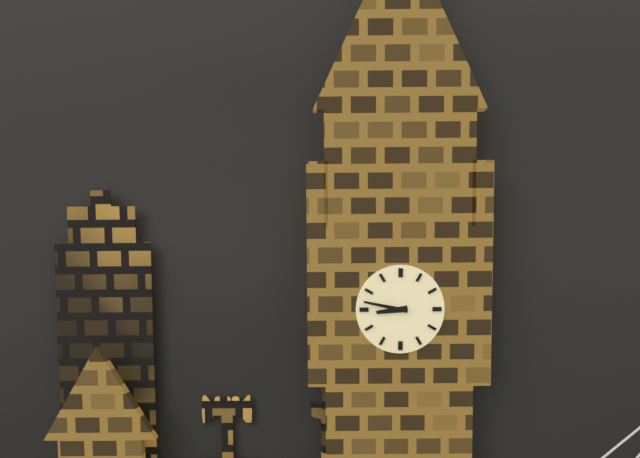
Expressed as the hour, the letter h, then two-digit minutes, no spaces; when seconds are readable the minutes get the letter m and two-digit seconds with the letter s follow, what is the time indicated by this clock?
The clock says 8h47
